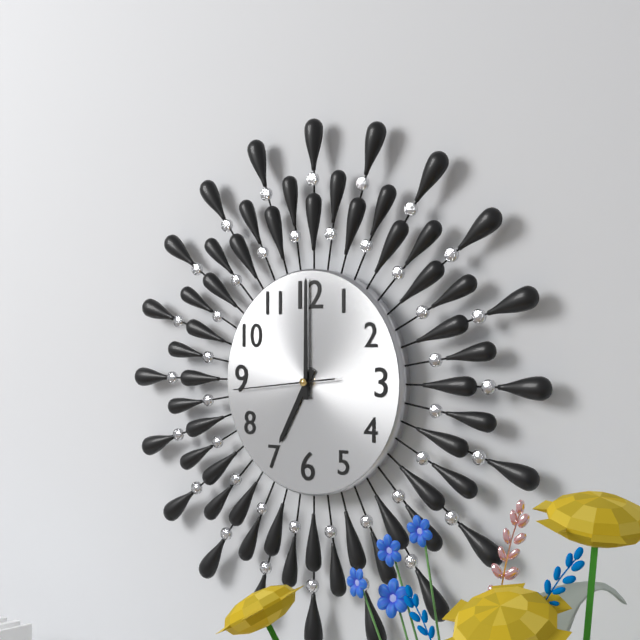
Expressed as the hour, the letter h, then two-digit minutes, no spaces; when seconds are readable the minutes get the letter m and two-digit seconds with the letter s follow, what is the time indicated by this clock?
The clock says 7h00m44s
